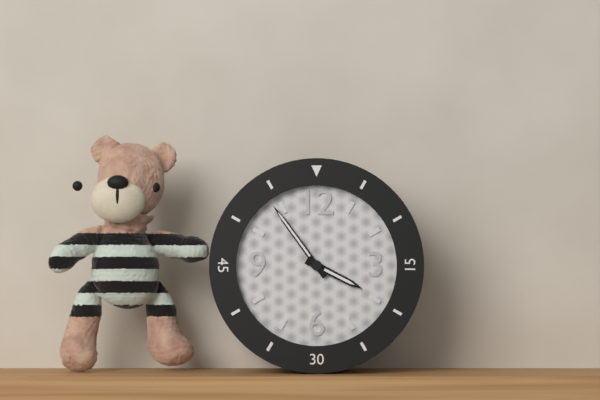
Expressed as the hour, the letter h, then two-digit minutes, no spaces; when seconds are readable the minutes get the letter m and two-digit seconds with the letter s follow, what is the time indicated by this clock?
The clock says 3h54
